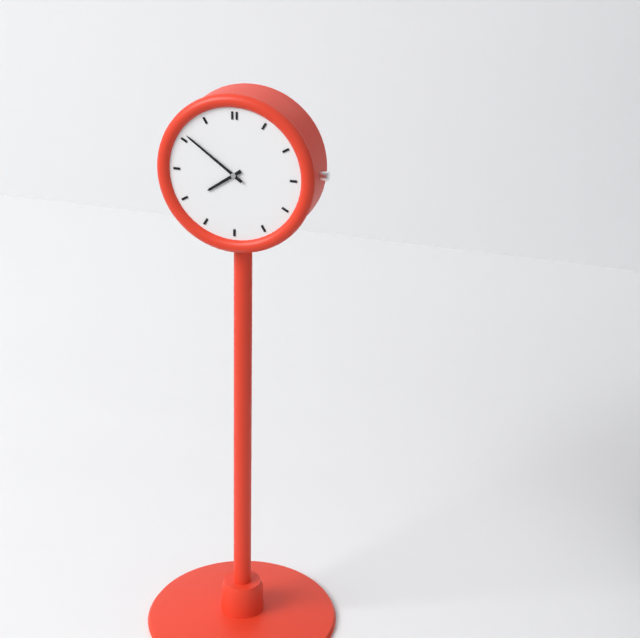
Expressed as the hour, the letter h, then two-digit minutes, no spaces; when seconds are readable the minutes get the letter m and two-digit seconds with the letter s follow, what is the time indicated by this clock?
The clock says 7h51
